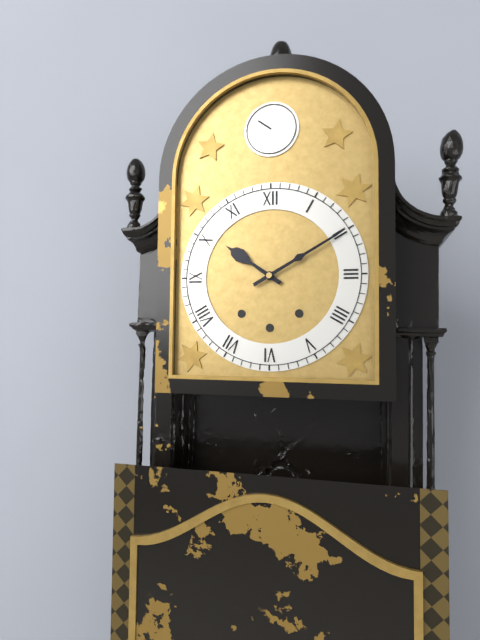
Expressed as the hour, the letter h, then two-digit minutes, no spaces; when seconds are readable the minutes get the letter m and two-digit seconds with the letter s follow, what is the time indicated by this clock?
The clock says 10h10
